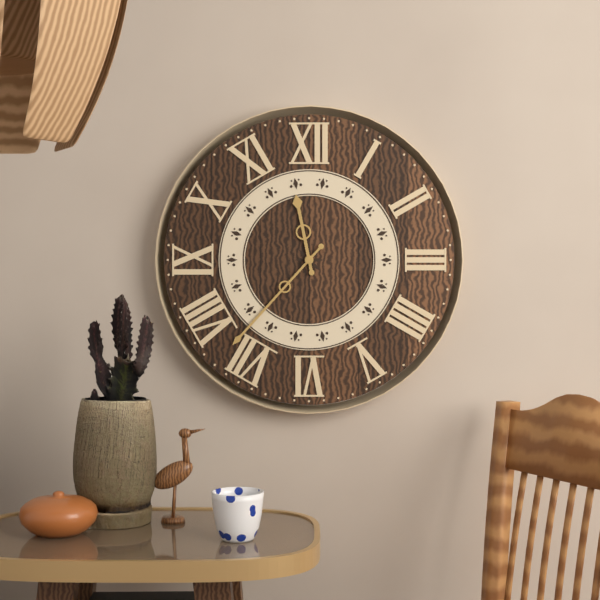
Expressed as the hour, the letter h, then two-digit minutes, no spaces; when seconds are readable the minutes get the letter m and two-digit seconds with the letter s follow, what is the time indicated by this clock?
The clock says 11h37
